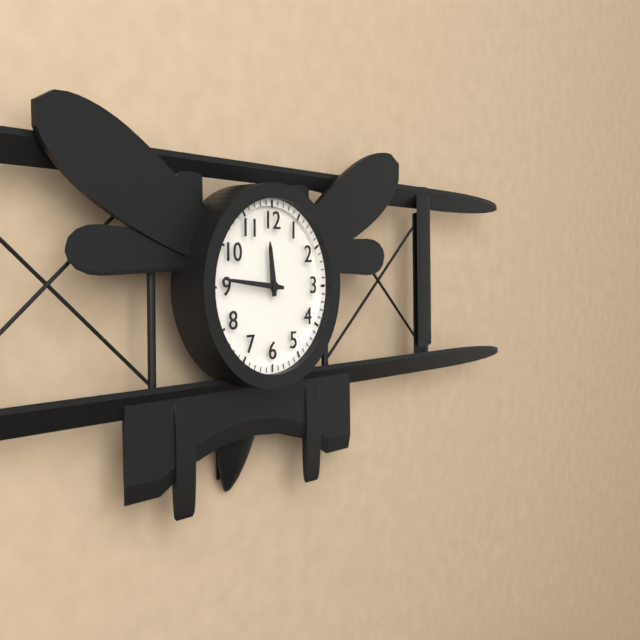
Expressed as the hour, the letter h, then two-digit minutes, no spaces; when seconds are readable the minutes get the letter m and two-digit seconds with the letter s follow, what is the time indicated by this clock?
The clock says 11h46
